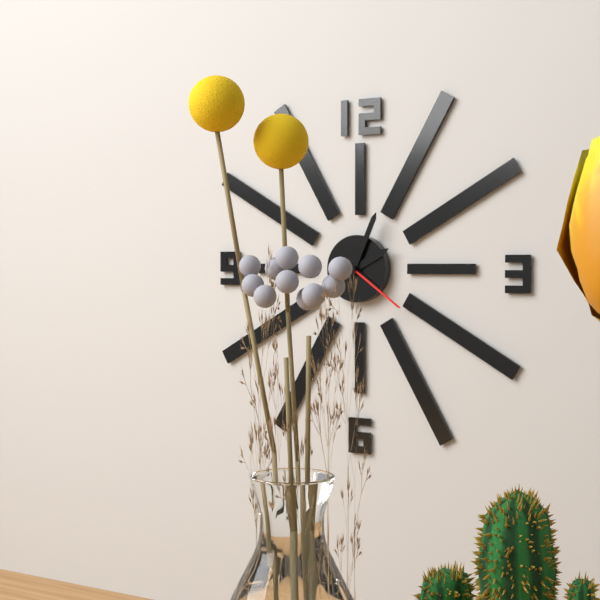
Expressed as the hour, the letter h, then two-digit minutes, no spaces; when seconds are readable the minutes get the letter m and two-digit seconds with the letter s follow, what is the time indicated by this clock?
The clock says 2h04m21s
